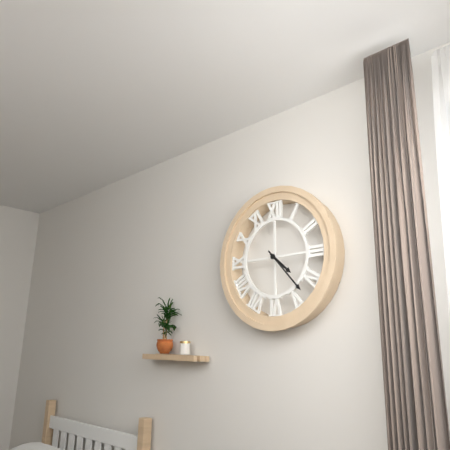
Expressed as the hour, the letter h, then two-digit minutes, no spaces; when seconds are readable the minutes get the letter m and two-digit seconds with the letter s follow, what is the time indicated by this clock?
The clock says 4h23
